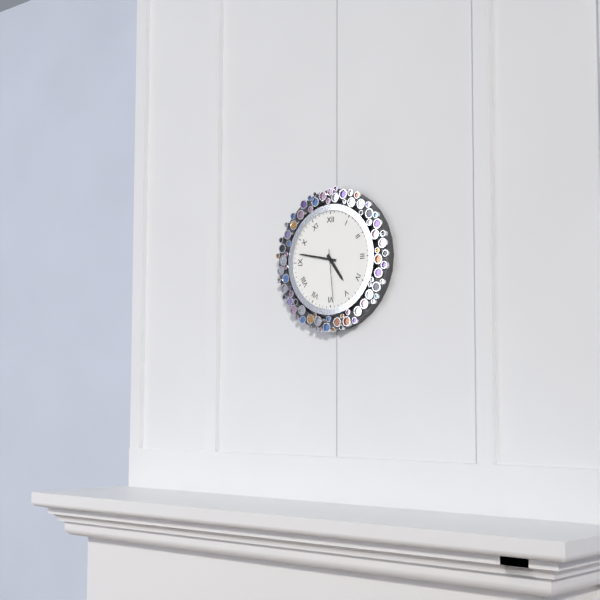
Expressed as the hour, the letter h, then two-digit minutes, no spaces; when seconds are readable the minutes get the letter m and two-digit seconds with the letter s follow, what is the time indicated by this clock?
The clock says 4h47m29s
